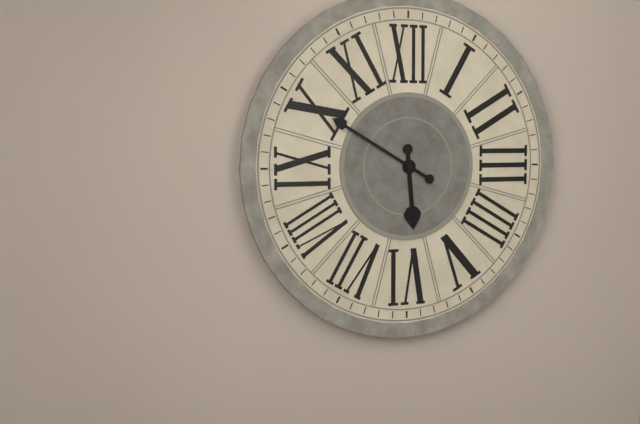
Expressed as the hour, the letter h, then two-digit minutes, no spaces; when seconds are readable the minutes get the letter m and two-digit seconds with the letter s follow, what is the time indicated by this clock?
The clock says 5h50
